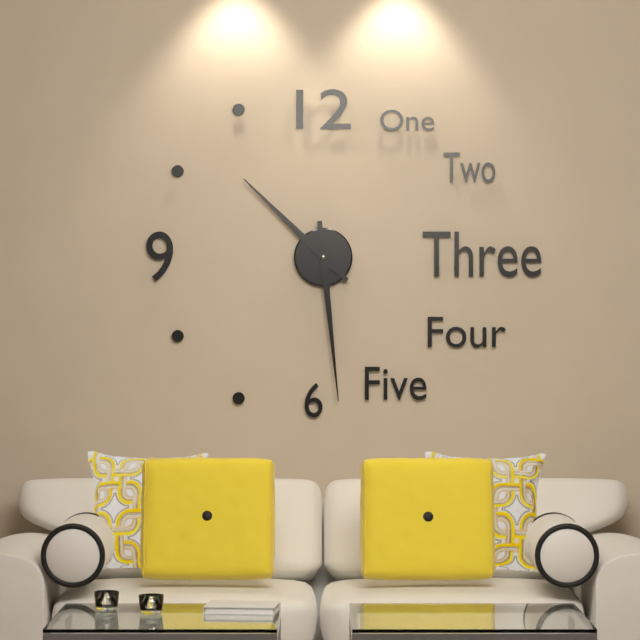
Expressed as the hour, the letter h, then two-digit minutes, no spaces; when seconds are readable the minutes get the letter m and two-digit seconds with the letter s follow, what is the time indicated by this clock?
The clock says 10h29
